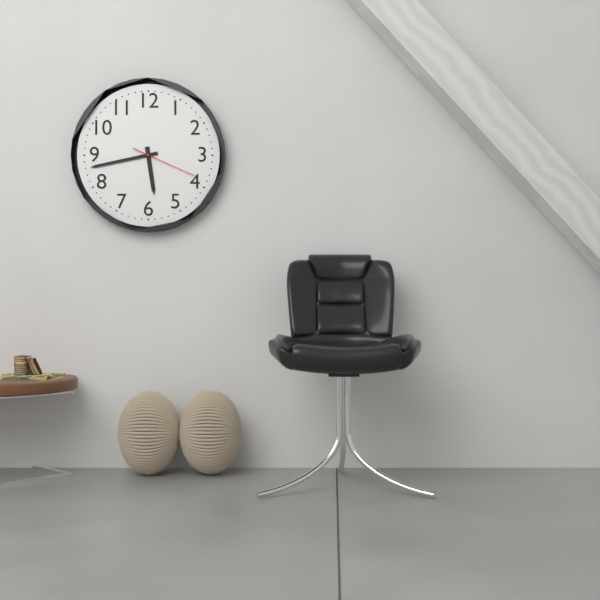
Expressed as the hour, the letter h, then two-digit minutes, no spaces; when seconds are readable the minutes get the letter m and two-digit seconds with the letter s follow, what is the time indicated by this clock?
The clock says 5h43m19s
